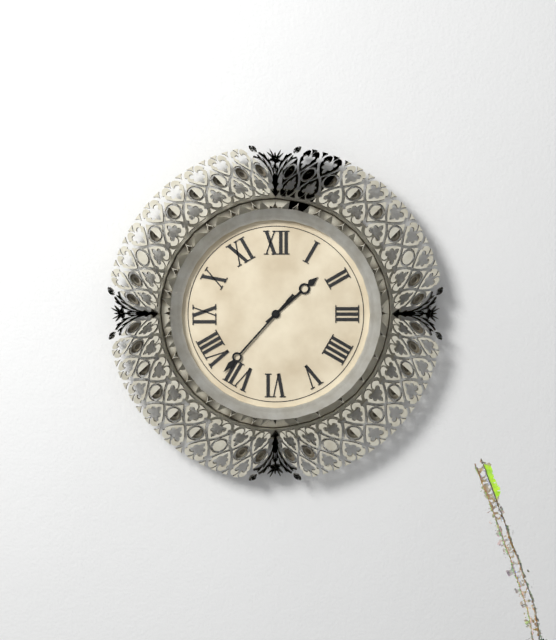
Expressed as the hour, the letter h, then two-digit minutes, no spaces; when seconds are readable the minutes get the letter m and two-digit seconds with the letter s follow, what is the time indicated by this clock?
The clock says 1h37
